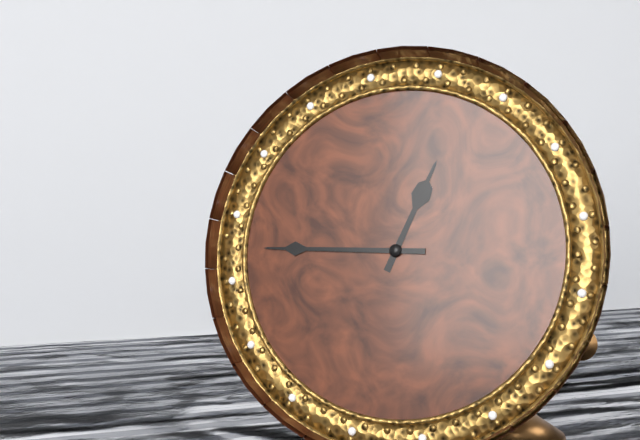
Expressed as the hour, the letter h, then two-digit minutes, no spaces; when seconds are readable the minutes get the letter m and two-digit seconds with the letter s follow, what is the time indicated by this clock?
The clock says 12h45
